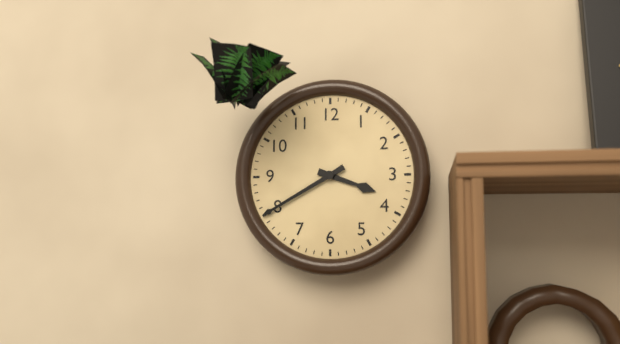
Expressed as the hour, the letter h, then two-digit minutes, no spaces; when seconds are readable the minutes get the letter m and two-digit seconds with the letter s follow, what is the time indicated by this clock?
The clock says 3h40
